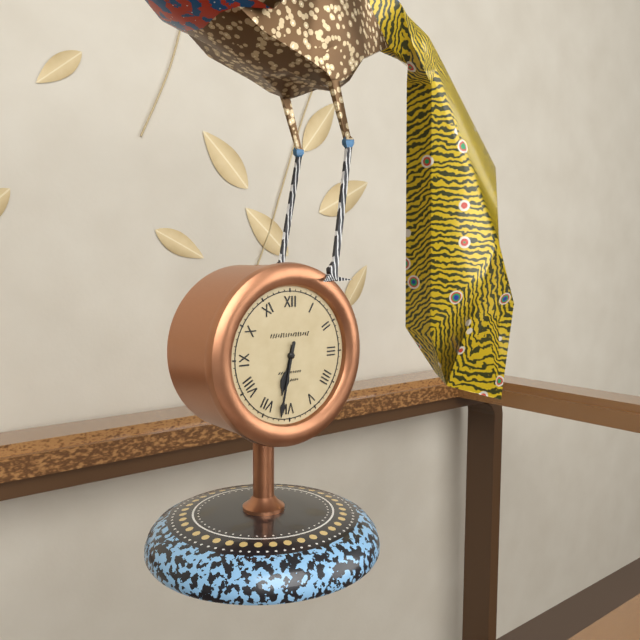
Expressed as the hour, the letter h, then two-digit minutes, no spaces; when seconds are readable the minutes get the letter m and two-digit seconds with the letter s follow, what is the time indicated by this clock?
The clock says 6h32
